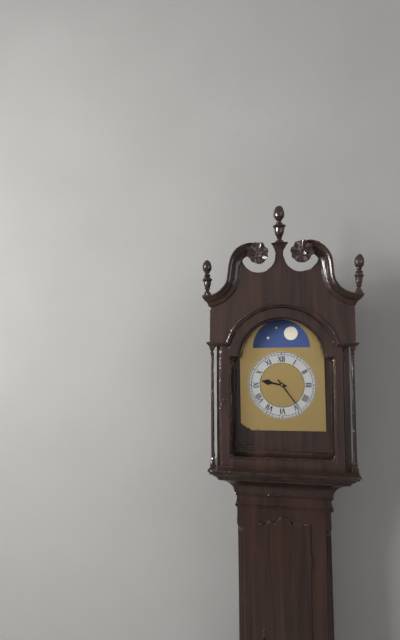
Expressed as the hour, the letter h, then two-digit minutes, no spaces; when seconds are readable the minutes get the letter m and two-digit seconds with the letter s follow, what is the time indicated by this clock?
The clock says 9h24
